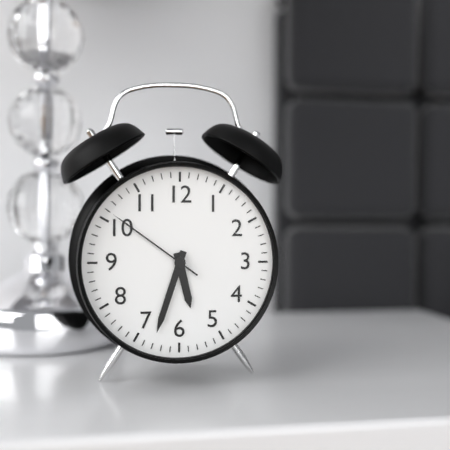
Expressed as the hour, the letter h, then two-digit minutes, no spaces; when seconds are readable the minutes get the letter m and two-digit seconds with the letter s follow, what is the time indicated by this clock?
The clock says 5h33m51s
